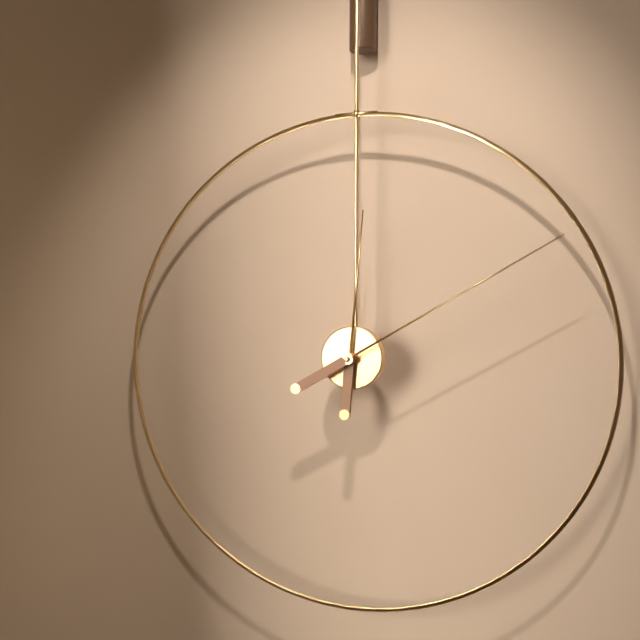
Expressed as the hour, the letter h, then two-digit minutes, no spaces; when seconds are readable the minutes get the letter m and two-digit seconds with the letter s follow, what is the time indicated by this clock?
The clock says 12h10
